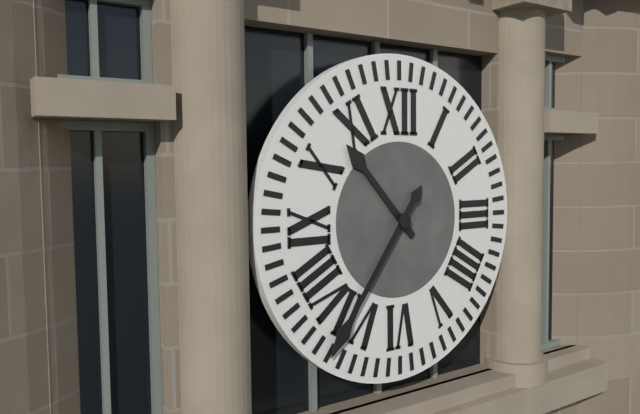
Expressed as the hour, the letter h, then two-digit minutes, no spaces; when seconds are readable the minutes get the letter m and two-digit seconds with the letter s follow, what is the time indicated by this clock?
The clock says 10h36
